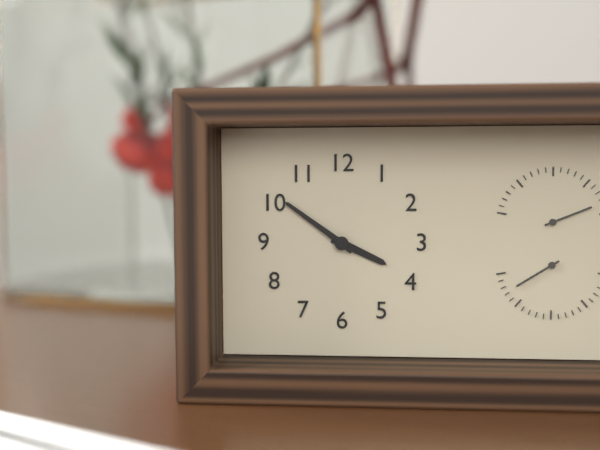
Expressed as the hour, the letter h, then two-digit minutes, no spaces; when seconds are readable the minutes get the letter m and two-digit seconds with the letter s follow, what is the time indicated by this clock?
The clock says 3h51
